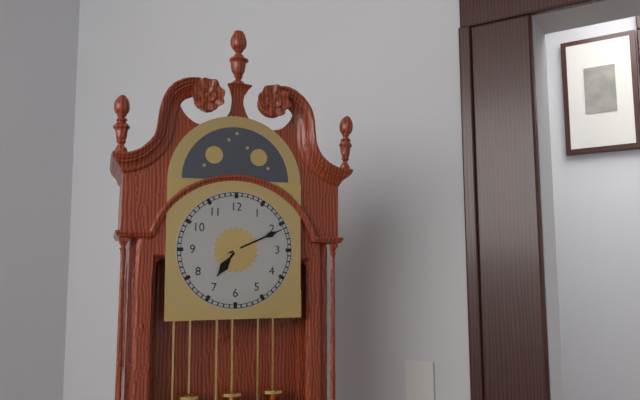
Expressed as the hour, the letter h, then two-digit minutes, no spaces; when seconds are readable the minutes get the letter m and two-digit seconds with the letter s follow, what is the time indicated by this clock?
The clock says 7h11
